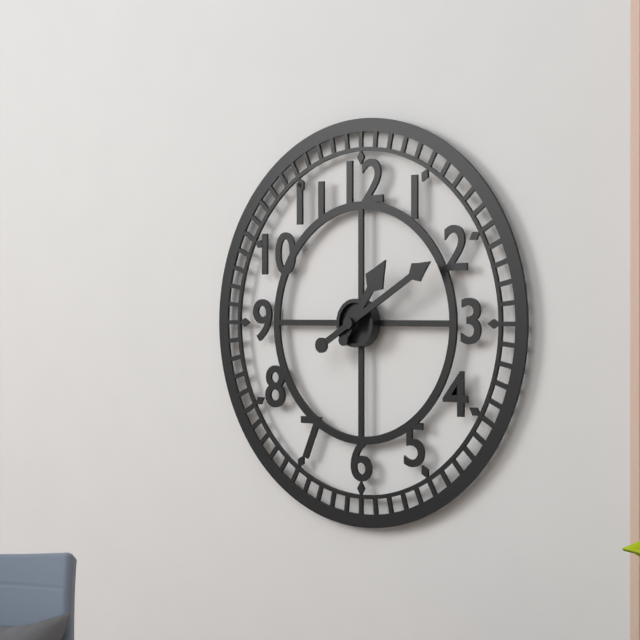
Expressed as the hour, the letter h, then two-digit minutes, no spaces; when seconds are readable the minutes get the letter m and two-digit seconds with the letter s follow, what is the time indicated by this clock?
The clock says 1h10
